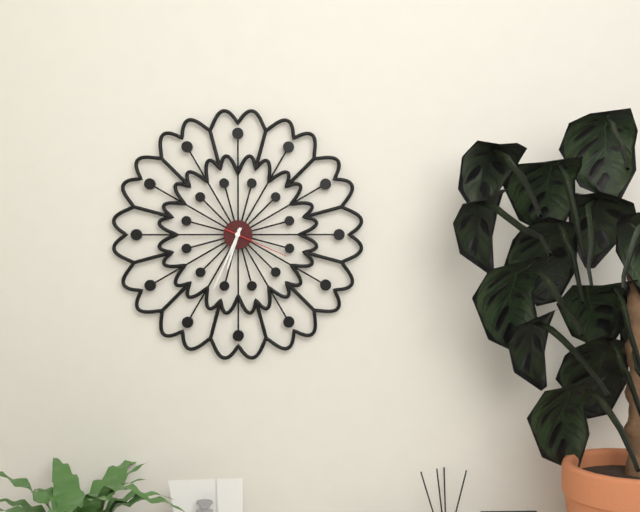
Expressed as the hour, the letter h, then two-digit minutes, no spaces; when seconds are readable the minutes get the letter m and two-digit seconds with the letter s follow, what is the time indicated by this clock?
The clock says 6h34m19s
